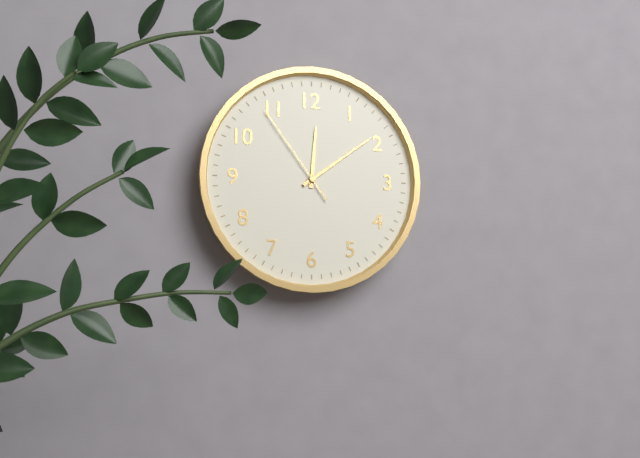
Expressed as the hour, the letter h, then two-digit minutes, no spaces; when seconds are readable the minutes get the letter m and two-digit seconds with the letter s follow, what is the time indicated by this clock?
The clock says 12h09m54s
